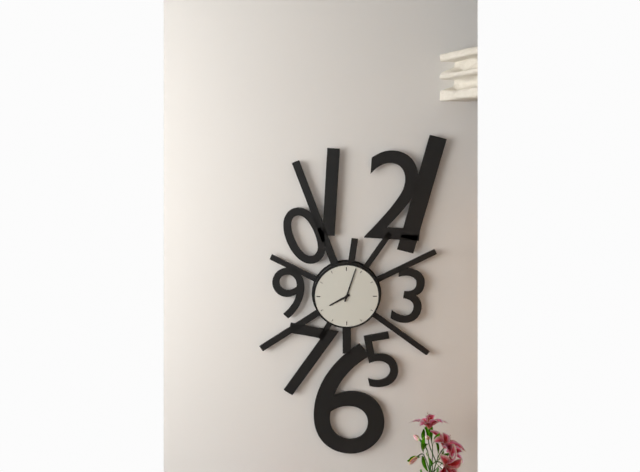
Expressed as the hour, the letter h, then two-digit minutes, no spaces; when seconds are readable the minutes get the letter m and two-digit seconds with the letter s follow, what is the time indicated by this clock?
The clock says 8h03
